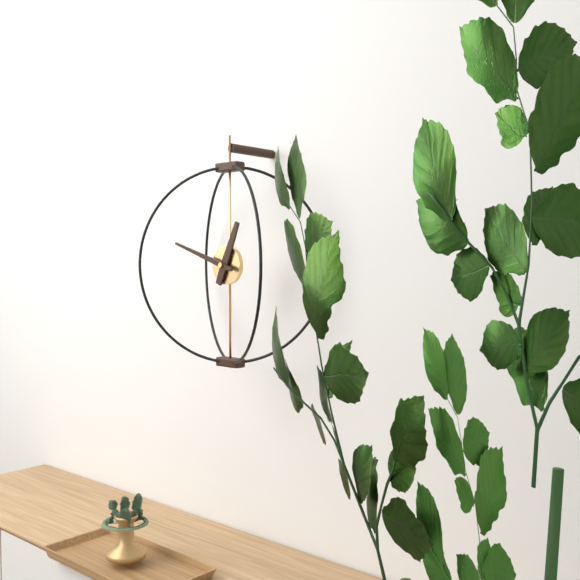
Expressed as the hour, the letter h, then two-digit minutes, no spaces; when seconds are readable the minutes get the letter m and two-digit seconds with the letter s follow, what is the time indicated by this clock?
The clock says 12h48
